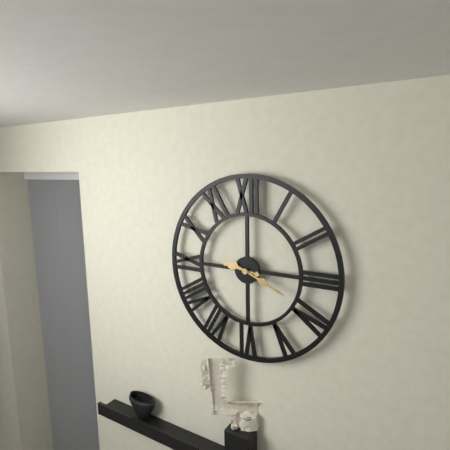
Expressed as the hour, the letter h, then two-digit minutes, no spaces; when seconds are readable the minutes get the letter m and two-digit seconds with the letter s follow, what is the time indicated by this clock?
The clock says 9h19
